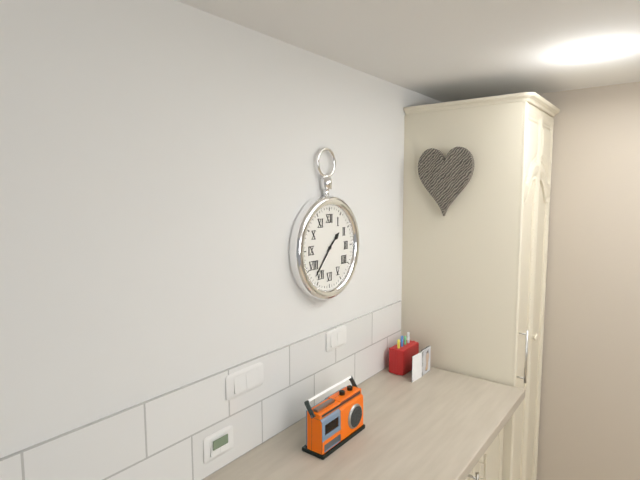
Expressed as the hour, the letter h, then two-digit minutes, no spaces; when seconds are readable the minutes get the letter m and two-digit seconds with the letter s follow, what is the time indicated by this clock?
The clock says 1h37
